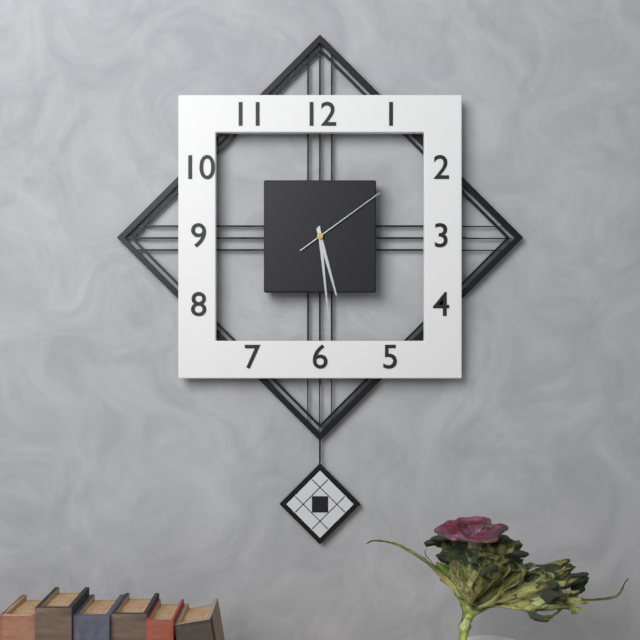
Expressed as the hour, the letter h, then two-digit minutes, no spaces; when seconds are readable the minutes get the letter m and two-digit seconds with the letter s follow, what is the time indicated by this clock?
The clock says 5h29m09s
